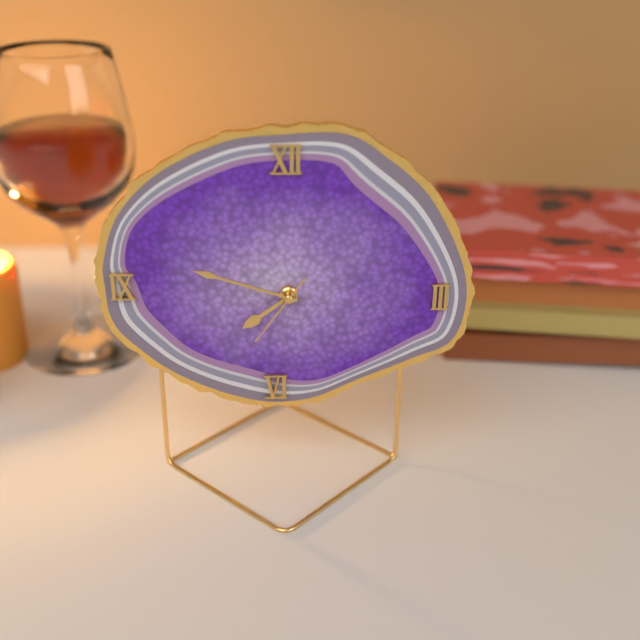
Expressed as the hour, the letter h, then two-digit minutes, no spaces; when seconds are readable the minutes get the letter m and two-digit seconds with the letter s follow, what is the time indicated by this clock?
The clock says 7h48m36s
